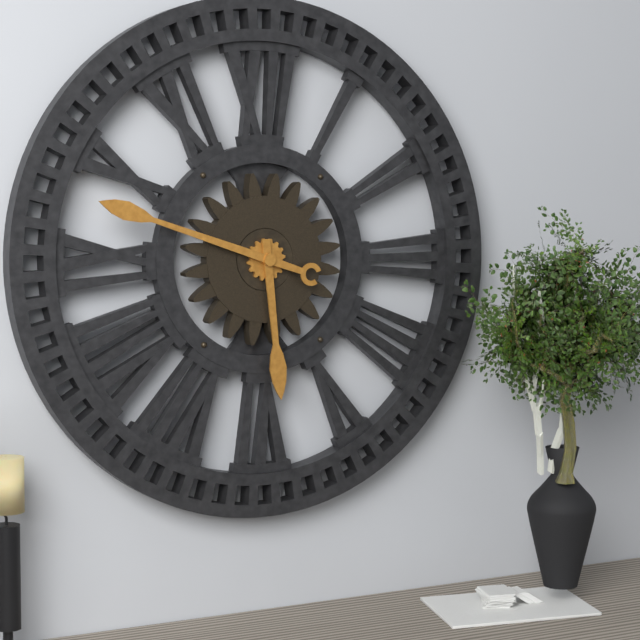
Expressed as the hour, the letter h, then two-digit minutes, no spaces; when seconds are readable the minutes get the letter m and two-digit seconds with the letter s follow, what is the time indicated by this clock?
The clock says 5h48
